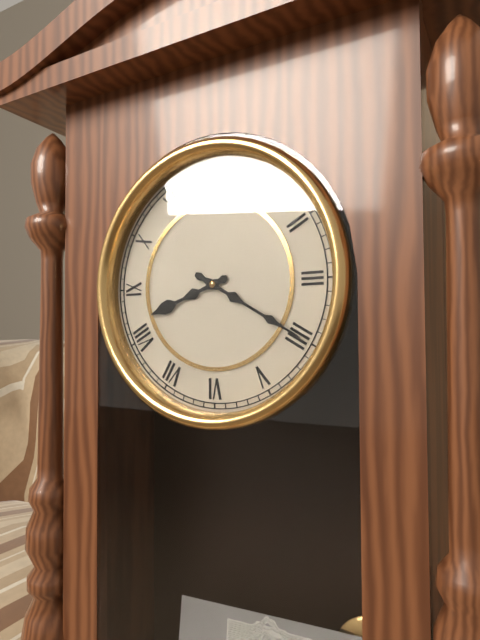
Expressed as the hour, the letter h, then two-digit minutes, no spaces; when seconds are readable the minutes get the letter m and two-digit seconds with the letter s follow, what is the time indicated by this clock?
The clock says 8h20
